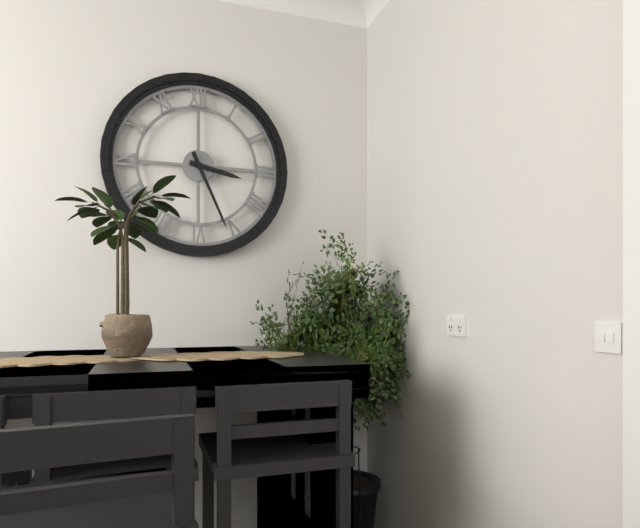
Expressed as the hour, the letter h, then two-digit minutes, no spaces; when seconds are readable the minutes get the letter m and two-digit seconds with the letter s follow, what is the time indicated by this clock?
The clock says 3h26
